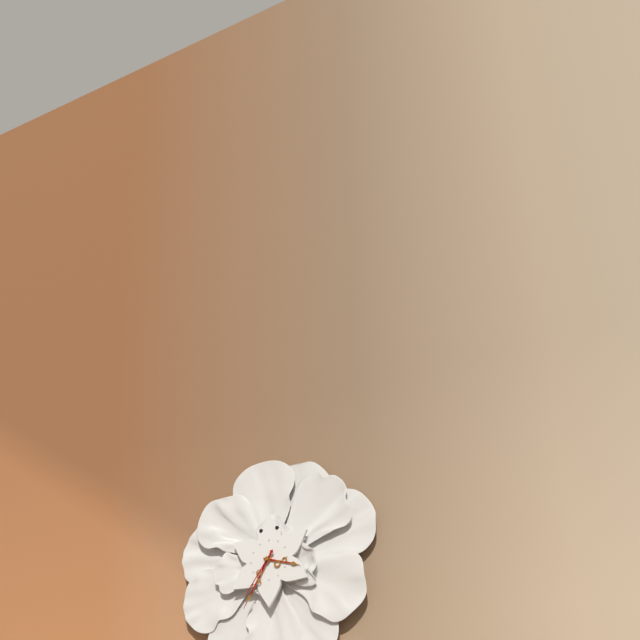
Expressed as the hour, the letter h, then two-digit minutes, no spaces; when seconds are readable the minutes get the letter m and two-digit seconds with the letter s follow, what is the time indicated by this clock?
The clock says 3h35m36s
